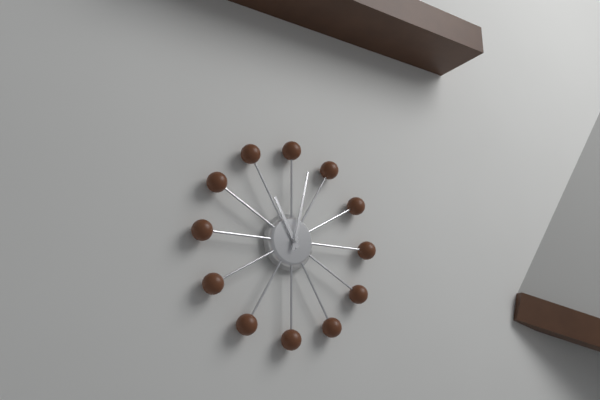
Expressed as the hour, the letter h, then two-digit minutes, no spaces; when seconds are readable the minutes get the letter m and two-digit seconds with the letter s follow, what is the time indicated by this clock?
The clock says 11h02
